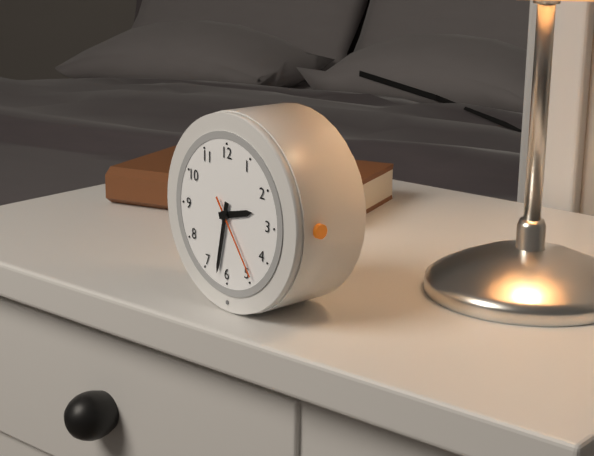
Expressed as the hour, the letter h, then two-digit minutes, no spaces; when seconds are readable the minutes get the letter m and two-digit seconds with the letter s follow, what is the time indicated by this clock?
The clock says 2h32m24s
